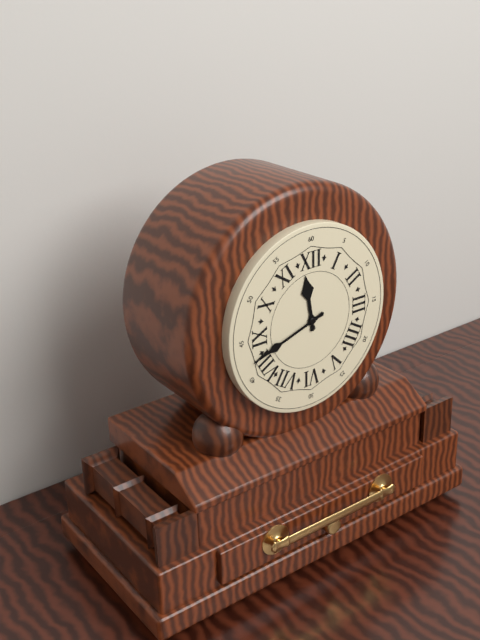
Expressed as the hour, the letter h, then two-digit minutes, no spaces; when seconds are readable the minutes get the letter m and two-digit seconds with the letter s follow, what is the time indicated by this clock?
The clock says 11h42
